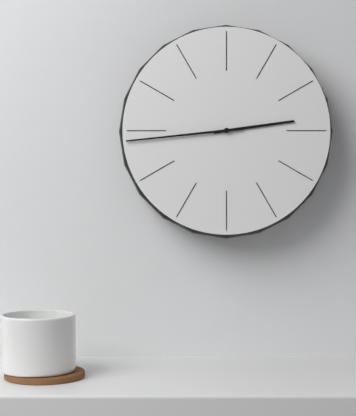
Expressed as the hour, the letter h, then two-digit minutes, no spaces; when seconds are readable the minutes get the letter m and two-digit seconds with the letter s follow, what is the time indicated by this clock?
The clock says 2h44
